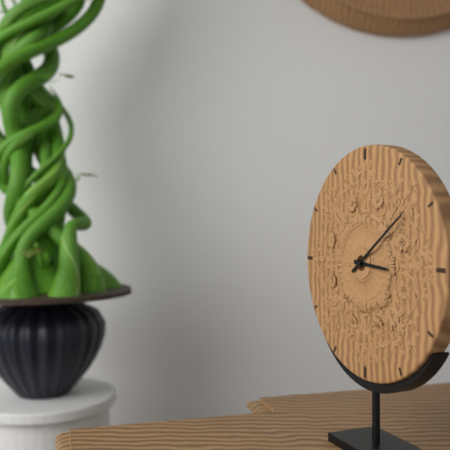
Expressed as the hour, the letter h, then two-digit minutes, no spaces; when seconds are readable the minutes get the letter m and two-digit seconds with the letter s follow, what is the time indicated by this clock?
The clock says 3h09
